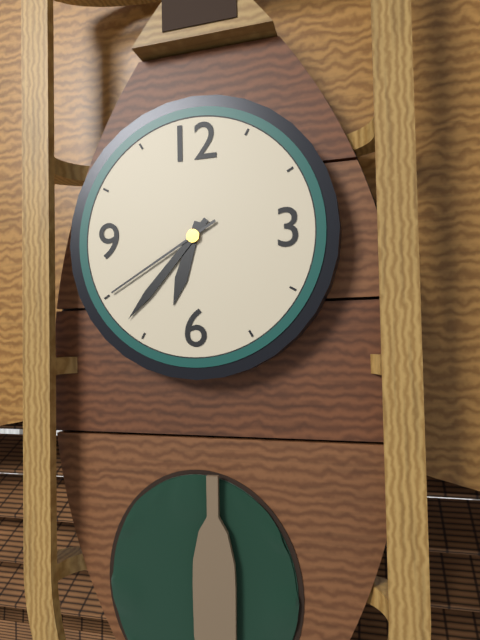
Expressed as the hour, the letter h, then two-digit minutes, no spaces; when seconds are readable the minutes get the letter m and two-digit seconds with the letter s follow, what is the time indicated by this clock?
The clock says 6h37m40s
